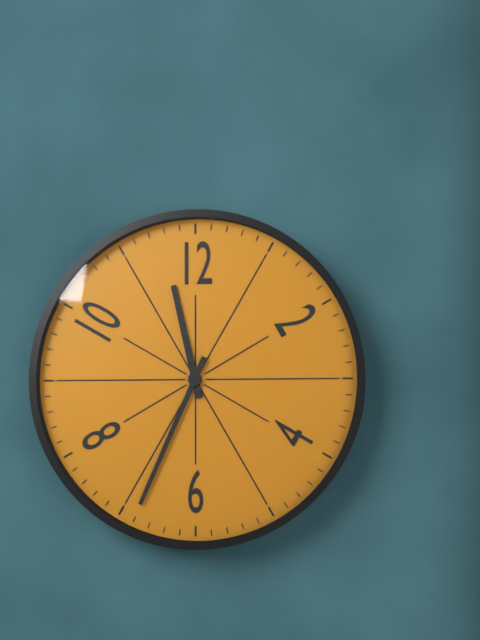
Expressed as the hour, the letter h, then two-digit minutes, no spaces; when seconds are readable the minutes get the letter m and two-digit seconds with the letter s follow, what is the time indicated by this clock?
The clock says 11h34
